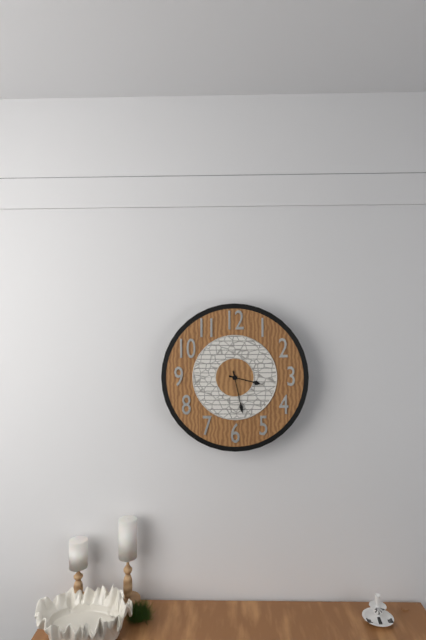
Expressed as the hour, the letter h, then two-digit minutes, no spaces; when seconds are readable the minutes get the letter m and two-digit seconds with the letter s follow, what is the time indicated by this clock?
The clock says 3h28
